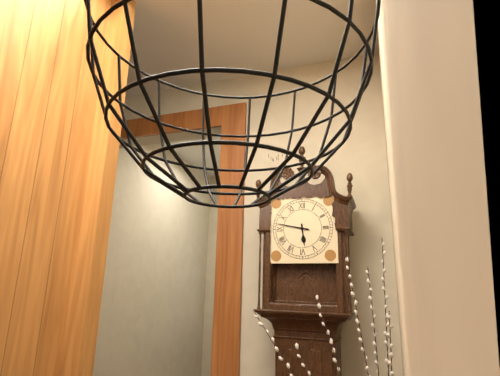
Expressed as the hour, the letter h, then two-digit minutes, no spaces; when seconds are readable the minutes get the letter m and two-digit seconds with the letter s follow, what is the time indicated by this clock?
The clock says 5h47
